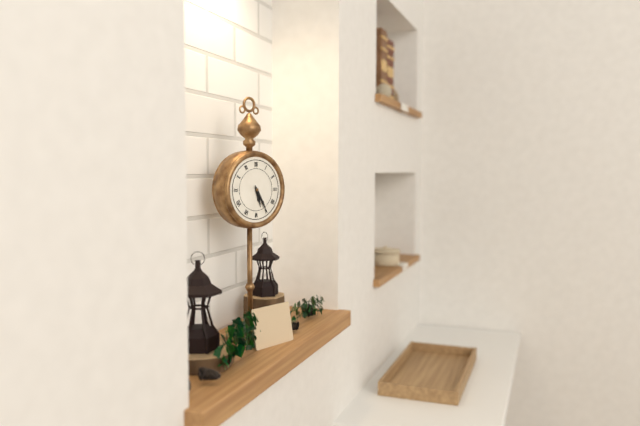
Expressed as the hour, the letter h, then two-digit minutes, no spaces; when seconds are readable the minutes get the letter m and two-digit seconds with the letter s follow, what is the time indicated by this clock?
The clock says 5h25
